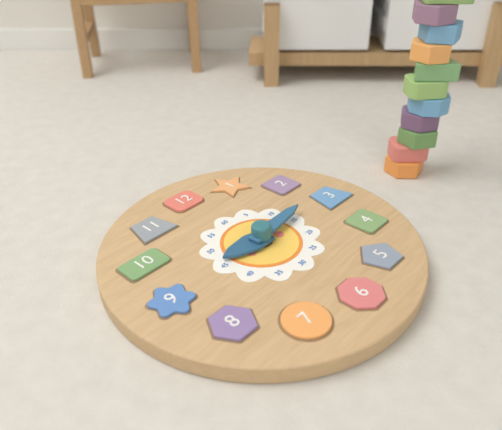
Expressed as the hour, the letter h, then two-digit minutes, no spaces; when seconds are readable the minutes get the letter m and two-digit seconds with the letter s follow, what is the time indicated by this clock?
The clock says 9h14
